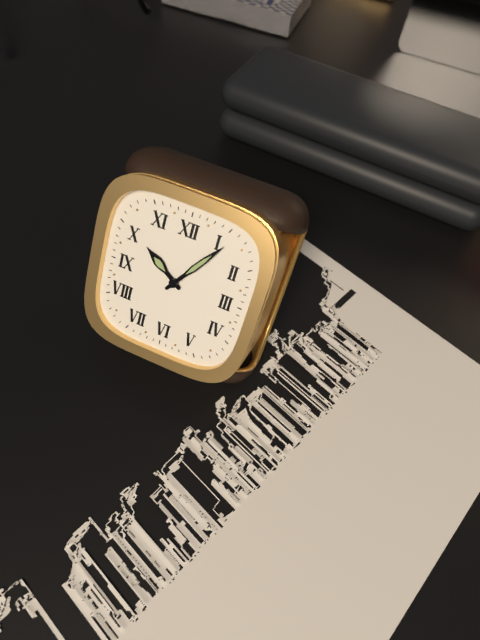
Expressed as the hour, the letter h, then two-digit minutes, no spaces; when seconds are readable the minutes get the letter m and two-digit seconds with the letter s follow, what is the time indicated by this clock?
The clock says 10h06
